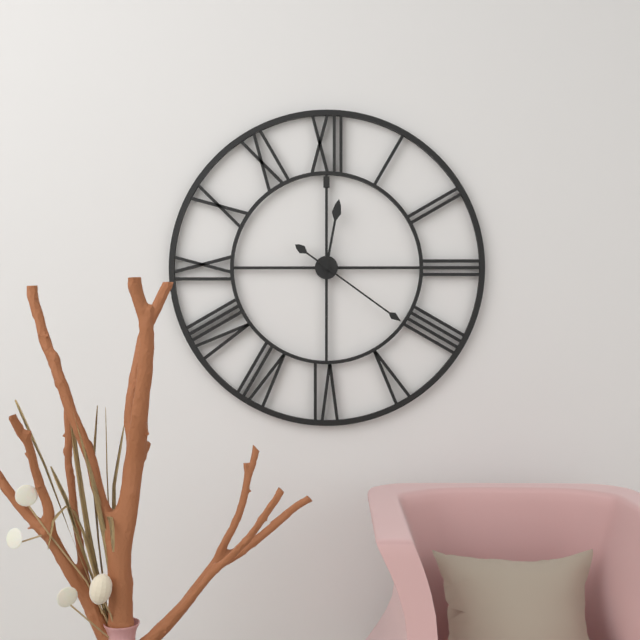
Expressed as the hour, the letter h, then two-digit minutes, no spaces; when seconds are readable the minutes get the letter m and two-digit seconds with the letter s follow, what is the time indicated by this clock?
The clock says 12h21
